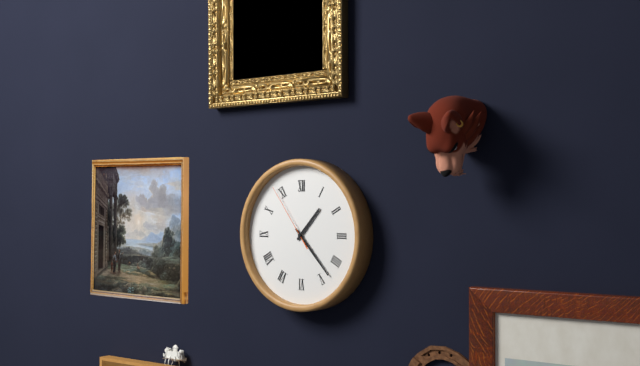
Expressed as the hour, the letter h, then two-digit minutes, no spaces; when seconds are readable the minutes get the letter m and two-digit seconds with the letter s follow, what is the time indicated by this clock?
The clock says 1h23m54s
